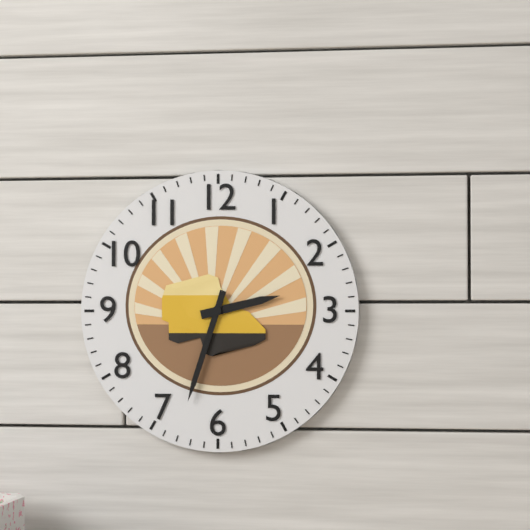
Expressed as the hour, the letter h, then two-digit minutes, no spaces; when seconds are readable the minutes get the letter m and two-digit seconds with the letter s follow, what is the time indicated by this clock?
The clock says 2h33
